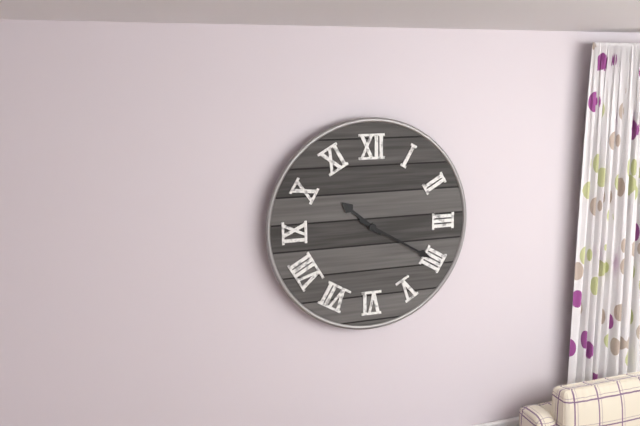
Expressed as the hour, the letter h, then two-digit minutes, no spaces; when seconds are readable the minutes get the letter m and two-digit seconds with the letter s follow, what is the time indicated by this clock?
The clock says 10h20
